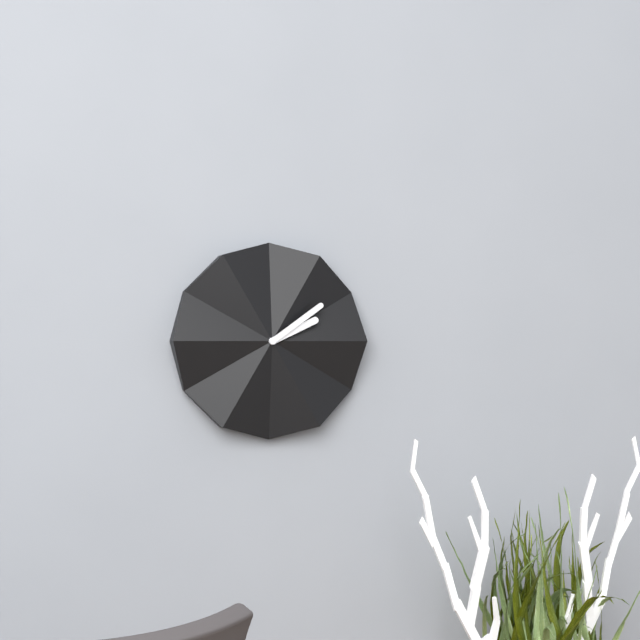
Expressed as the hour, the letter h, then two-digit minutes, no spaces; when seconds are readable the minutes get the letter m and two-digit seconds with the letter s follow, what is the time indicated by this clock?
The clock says 2h09
